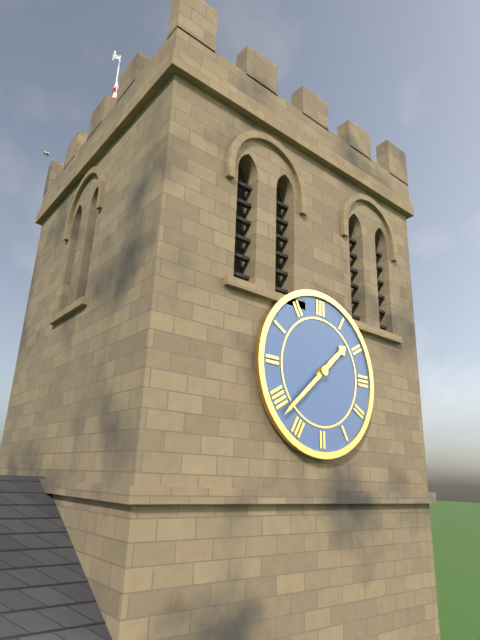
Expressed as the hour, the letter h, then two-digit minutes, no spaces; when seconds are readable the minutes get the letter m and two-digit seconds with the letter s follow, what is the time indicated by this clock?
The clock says 1h38
